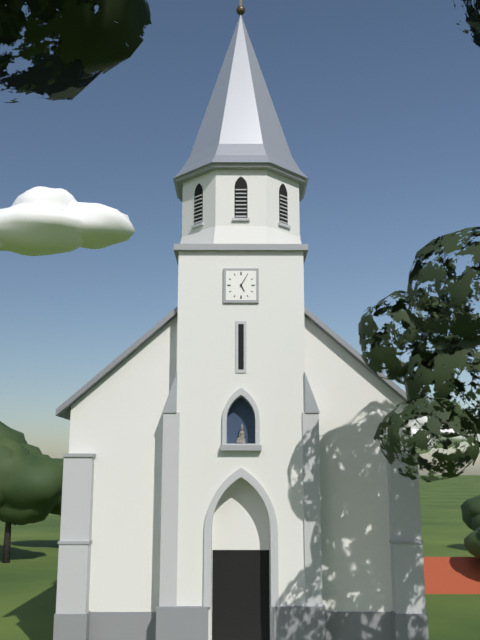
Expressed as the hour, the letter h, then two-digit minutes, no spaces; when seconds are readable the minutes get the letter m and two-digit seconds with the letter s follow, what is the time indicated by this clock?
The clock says 5h05
